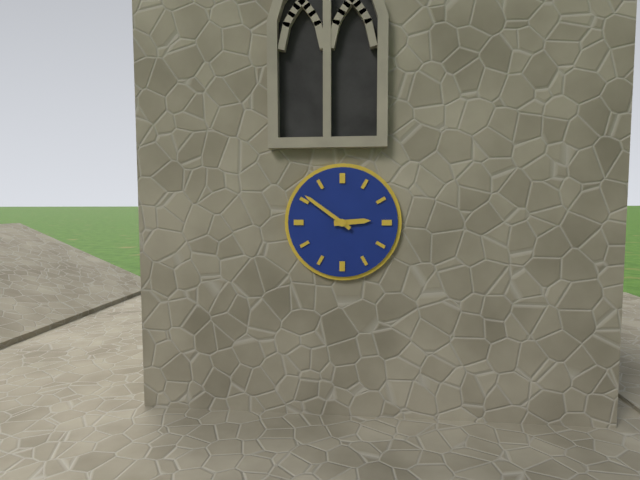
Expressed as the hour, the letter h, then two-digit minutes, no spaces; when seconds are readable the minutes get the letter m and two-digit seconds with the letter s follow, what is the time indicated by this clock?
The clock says 2h51
